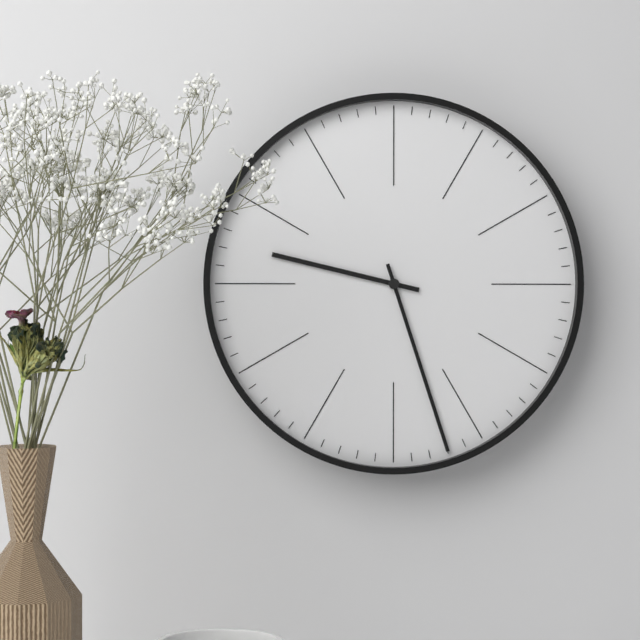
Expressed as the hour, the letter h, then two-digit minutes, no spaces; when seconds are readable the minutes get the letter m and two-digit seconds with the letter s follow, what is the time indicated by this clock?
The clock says 9h27
